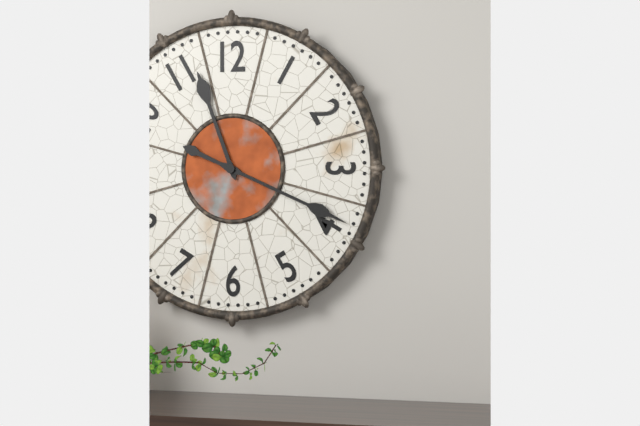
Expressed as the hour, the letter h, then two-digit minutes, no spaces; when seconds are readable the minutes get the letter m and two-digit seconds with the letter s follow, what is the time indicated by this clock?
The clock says 11h19
